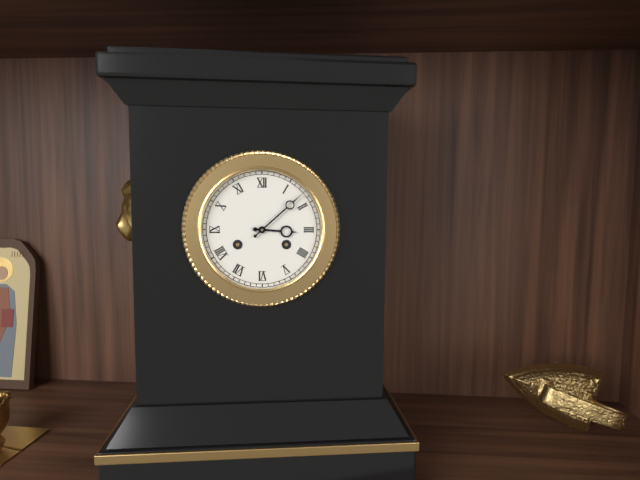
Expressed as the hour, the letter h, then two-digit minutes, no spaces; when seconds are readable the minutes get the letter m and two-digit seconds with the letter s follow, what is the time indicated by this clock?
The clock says 3h08
